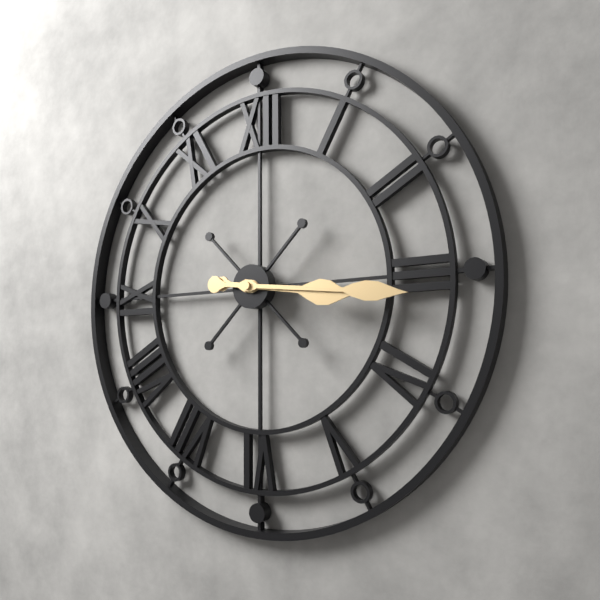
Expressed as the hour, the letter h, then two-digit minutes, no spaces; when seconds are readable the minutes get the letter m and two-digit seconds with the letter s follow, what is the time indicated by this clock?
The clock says 3h16
